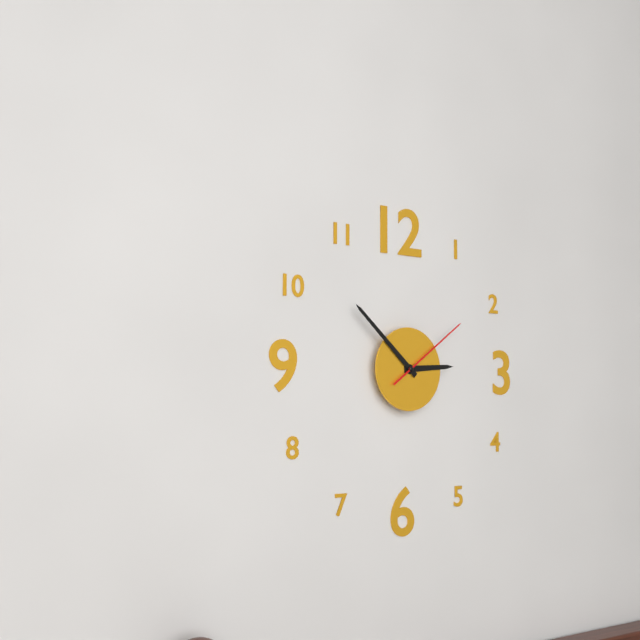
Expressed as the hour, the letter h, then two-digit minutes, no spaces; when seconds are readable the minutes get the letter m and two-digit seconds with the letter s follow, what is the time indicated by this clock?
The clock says 2h52m09s
